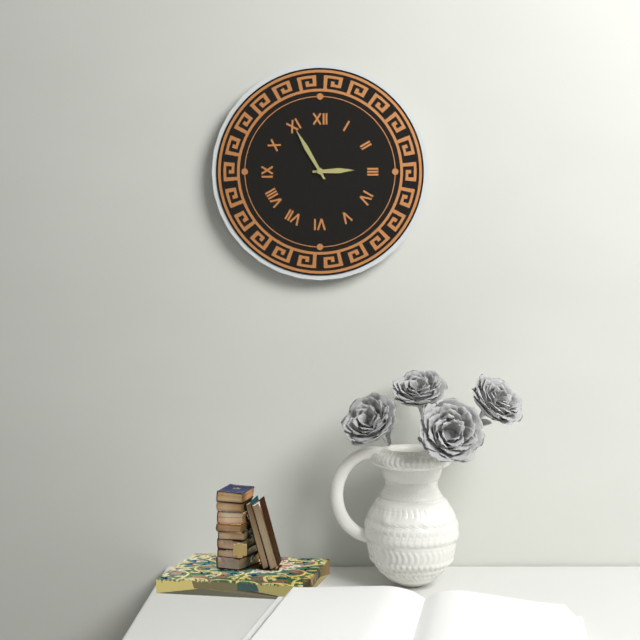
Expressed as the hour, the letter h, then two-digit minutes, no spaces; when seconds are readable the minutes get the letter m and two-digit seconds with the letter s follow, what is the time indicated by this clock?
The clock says 2h55
